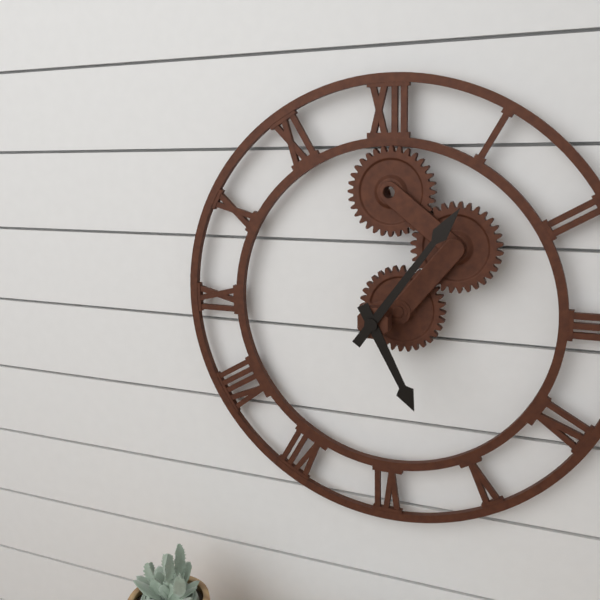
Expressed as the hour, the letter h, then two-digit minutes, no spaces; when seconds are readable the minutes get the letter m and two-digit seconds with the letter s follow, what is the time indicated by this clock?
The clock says 5h06
